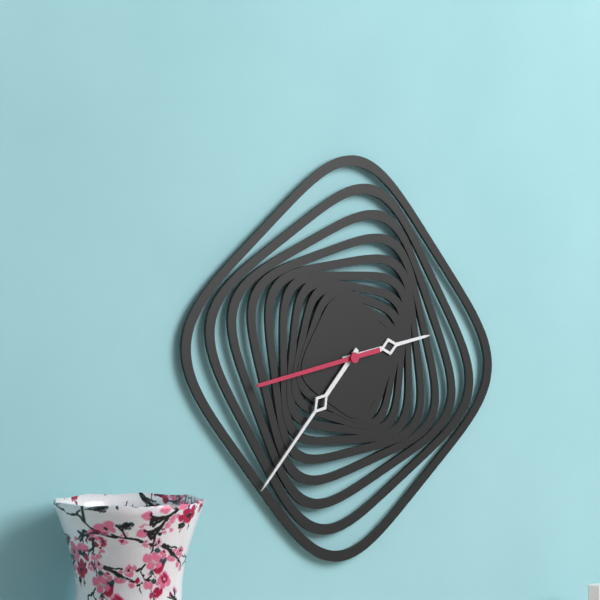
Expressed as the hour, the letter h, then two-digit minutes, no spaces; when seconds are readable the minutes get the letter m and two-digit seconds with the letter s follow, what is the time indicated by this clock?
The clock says 2h37m43s
